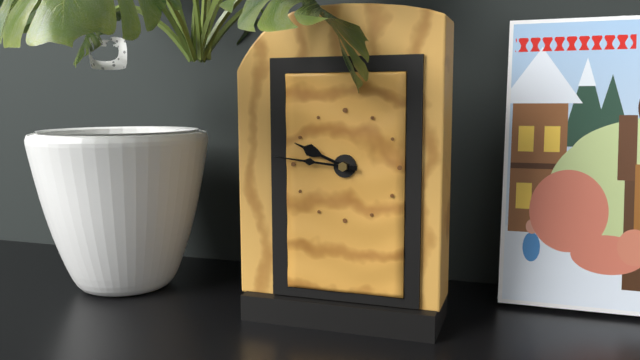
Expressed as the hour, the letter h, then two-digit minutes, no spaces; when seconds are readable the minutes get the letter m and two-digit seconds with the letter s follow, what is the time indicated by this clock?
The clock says 9h46
